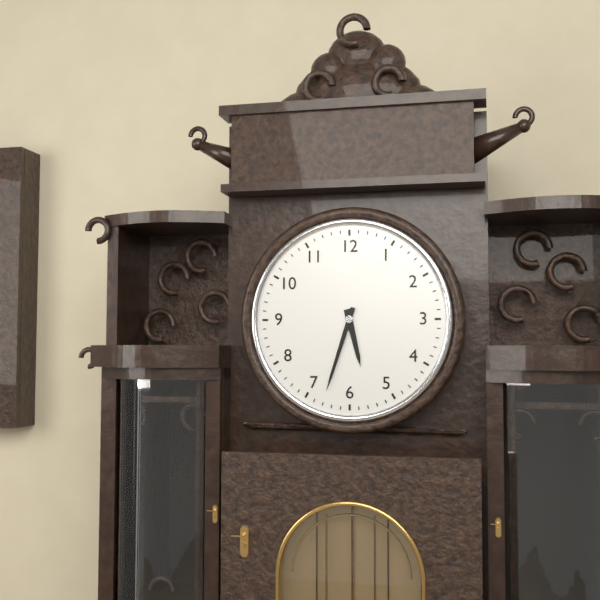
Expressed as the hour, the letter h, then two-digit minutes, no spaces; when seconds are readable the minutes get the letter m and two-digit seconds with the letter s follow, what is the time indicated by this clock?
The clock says 5h33
